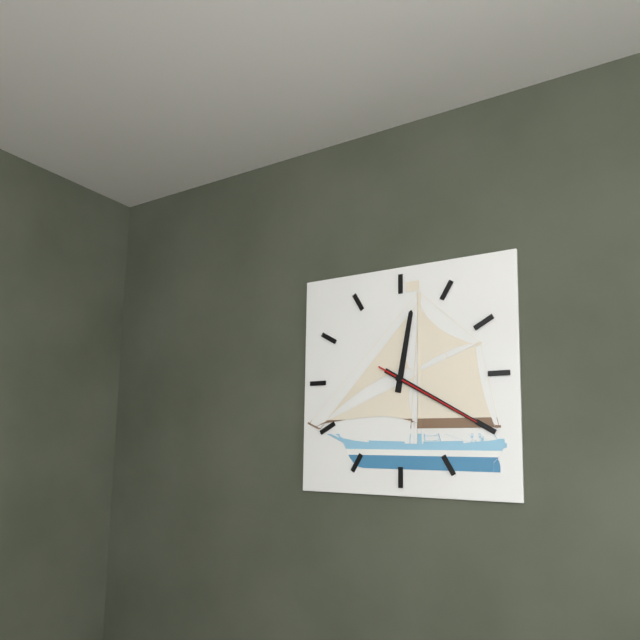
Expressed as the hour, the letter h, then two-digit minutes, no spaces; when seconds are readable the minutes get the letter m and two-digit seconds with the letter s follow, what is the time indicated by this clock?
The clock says 12h20m20s
